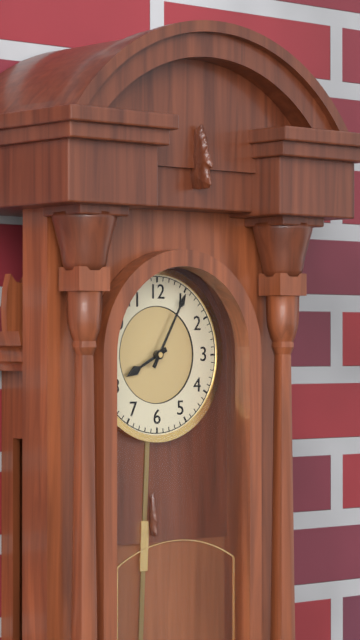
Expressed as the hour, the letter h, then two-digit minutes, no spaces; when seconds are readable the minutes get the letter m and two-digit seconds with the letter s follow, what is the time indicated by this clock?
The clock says 8h05
